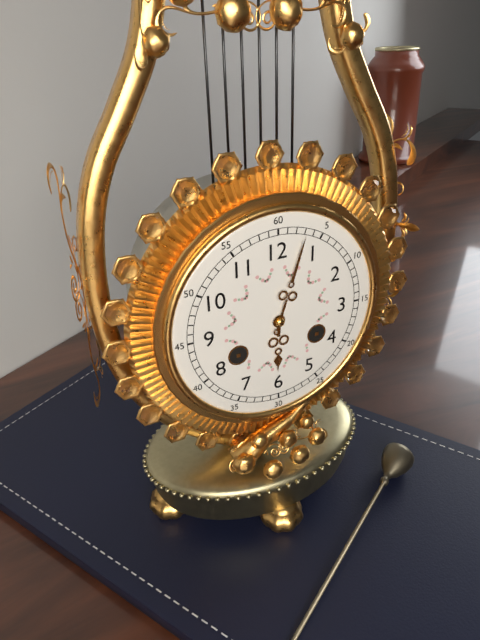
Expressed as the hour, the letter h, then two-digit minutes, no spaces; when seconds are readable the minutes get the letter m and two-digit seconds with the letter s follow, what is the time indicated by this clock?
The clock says 6h03
